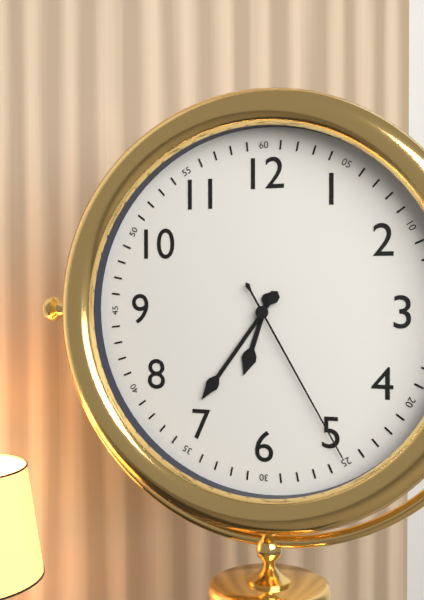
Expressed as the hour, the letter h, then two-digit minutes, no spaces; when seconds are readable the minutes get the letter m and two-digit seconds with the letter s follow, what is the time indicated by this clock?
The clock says 6h36m25s
